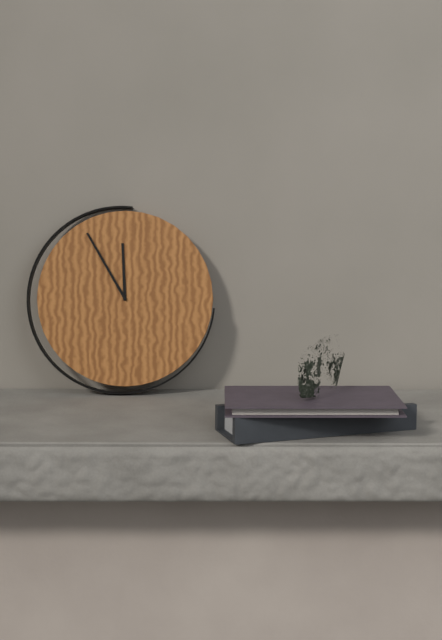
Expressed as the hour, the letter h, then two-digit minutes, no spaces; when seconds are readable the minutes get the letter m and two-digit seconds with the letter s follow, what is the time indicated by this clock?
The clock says 11h55
